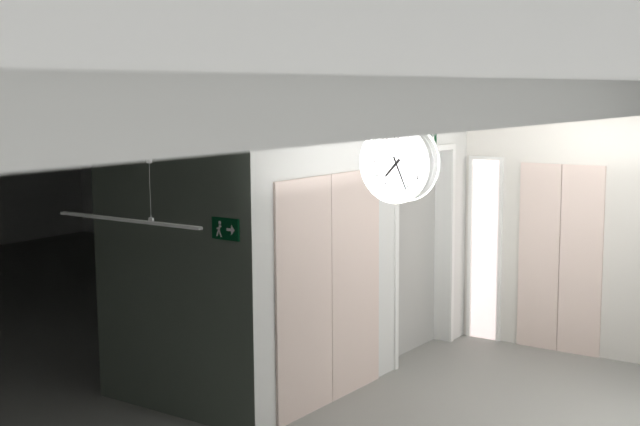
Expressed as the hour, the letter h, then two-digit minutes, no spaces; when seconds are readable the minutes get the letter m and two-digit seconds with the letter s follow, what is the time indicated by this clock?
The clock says 7h26
